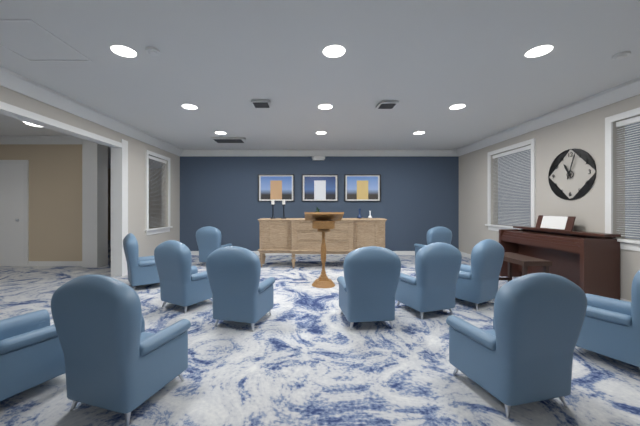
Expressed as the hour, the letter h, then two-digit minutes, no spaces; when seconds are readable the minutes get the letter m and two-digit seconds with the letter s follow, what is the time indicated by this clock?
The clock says 11h03
